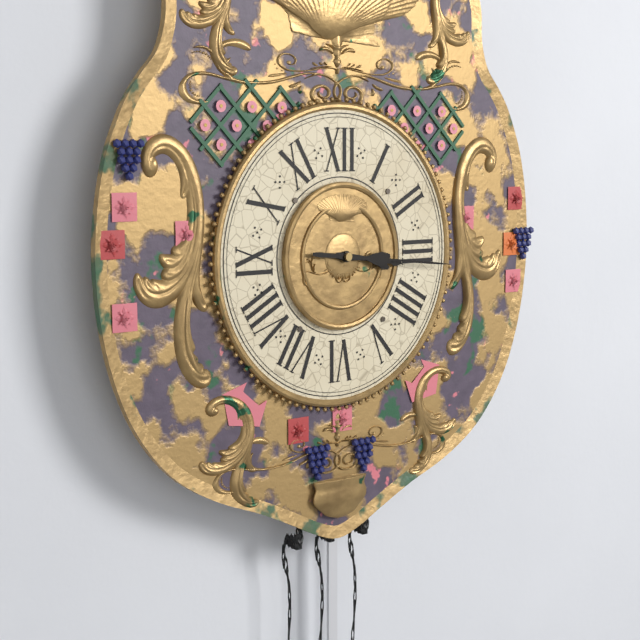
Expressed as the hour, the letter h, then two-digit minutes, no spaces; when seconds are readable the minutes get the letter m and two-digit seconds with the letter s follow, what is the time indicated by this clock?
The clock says 3h16
